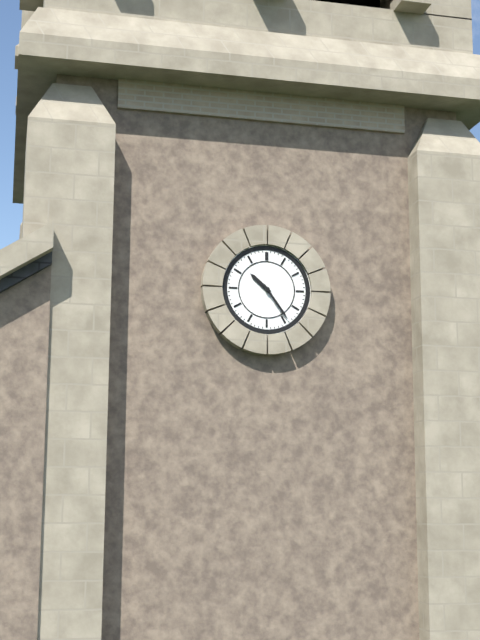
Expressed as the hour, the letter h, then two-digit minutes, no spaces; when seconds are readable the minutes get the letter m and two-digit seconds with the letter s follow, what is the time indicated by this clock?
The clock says 10h24
